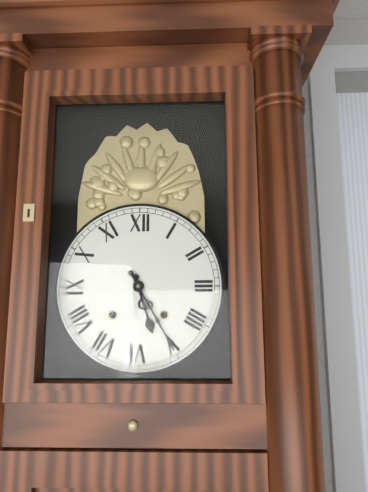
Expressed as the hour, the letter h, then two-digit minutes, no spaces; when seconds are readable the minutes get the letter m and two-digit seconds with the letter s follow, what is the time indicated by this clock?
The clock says 5h25
